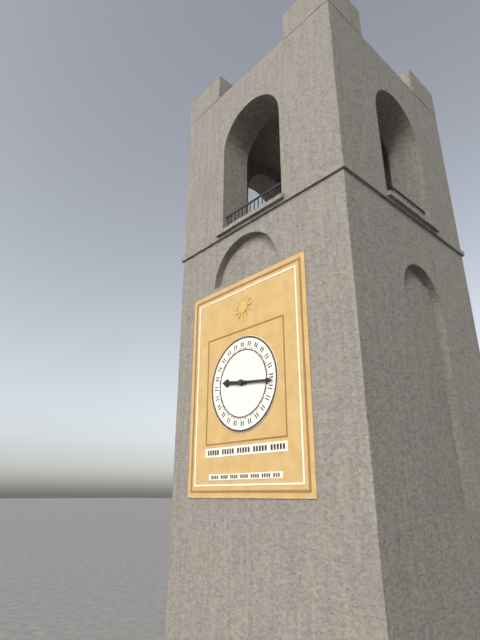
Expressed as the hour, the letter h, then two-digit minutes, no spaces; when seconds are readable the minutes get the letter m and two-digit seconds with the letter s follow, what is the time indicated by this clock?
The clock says 9h16
